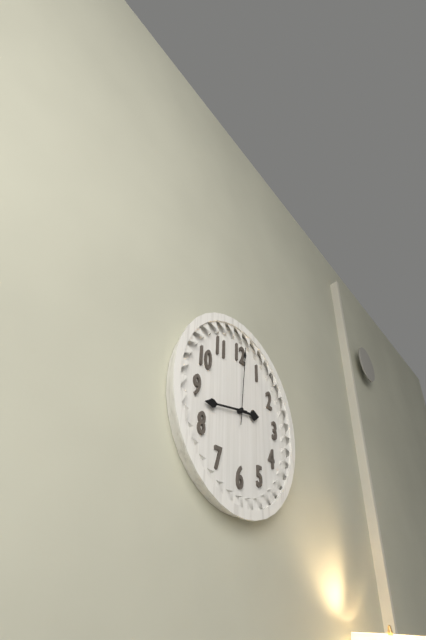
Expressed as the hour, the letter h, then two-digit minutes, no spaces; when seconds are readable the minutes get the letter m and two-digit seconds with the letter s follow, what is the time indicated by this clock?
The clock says 2h43m01s
